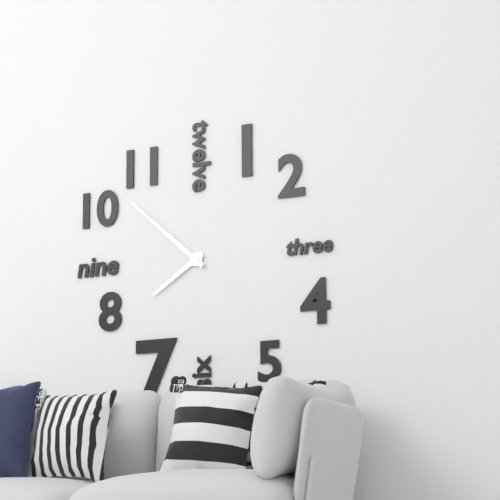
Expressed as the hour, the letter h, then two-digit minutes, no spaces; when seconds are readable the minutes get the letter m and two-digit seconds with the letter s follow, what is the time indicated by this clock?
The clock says 7h52
